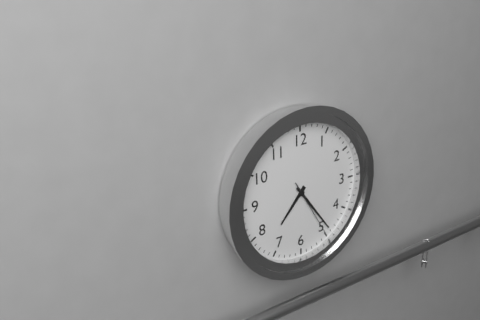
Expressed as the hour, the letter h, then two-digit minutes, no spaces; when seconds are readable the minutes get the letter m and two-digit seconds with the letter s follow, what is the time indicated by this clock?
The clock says 7h24m25s
